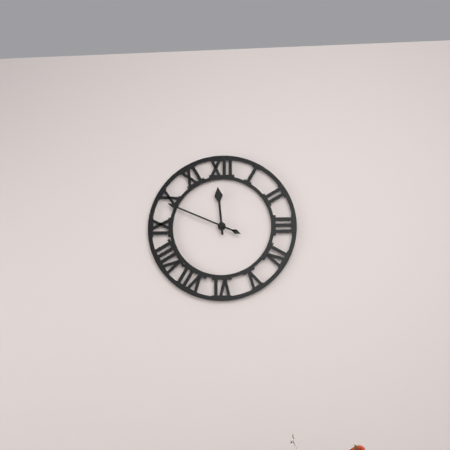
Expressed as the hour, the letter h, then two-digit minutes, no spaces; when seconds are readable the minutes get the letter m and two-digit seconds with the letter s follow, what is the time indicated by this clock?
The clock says 11h49
